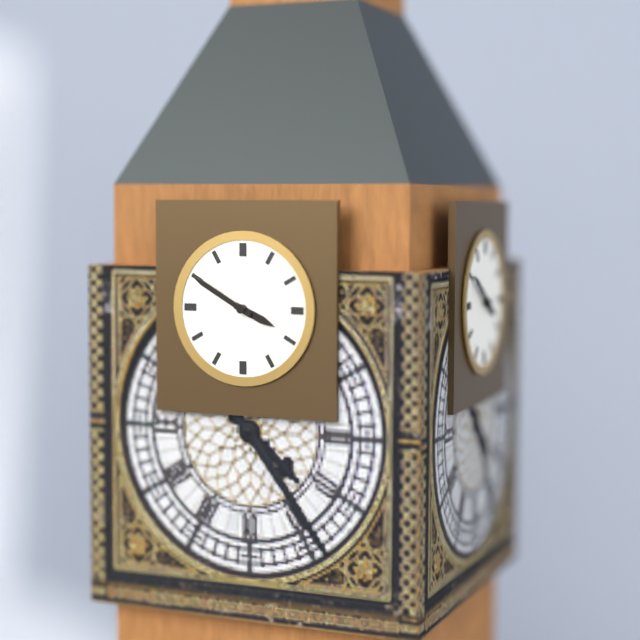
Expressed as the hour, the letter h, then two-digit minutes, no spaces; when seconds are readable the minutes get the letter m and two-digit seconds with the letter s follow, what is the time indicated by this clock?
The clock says 3h50
